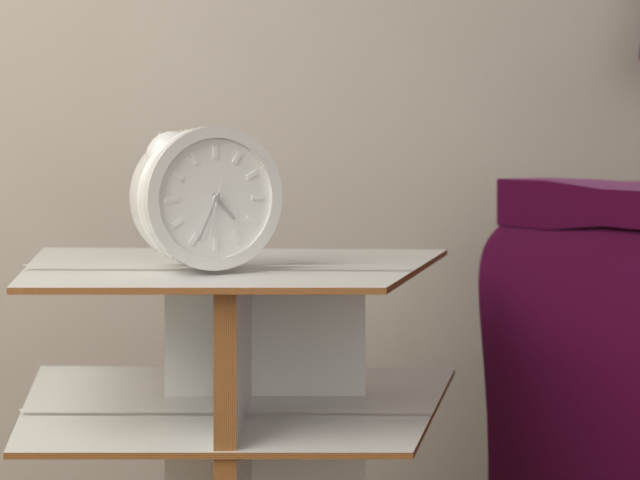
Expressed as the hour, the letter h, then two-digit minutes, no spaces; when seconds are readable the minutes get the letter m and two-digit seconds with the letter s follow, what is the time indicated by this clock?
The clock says 4h34m32s
